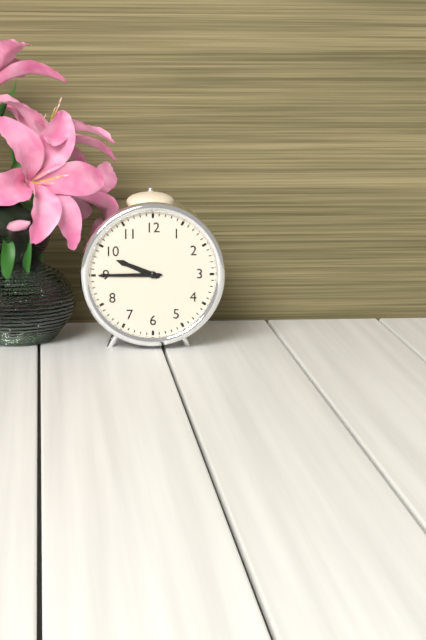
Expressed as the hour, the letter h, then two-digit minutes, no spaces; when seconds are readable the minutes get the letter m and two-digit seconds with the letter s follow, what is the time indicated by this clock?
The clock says 9h45
